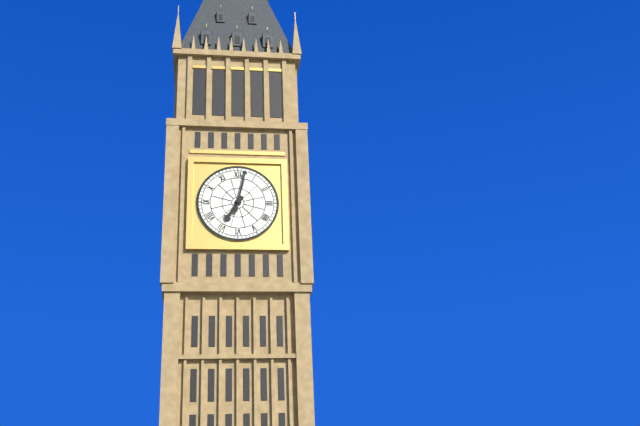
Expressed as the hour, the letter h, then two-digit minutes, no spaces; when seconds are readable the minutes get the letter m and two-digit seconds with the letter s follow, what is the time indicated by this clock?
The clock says 7h02
